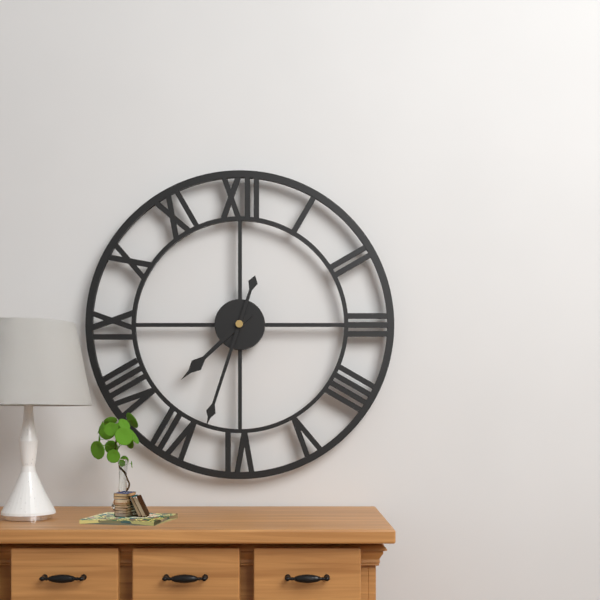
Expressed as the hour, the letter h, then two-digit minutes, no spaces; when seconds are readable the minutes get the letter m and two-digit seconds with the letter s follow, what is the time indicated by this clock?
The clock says 7h33
